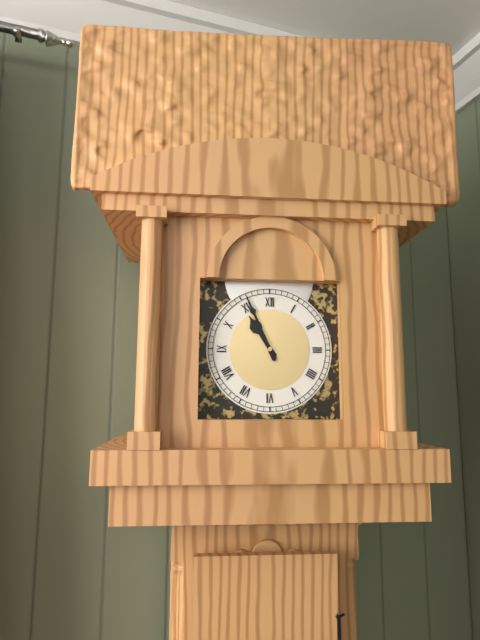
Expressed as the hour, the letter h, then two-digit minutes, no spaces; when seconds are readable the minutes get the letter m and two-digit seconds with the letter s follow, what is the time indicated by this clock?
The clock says 10h56
